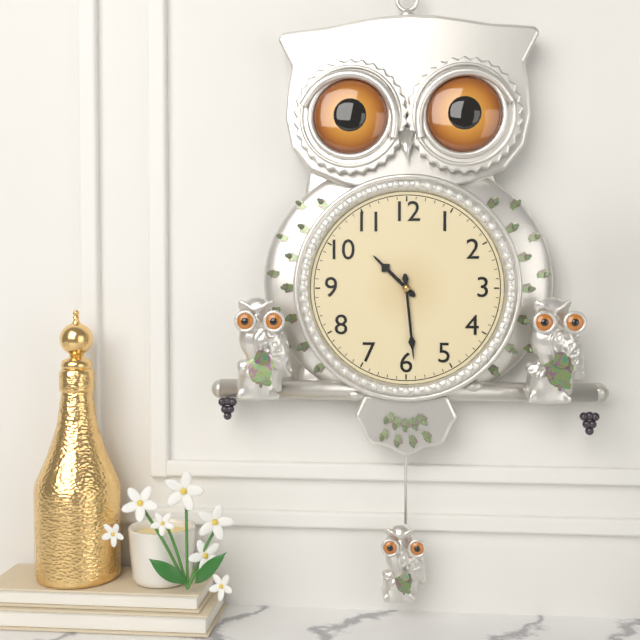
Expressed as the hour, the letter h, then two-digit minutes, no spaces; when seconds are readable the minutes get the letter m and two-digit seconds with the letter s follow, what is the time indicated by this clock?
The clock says 10h29
